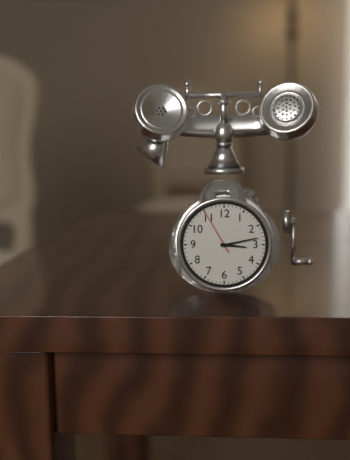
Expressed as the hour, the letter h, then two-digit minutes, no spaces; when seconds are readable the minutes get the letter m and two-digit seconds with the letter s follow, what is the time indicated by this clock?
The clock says 3h13
